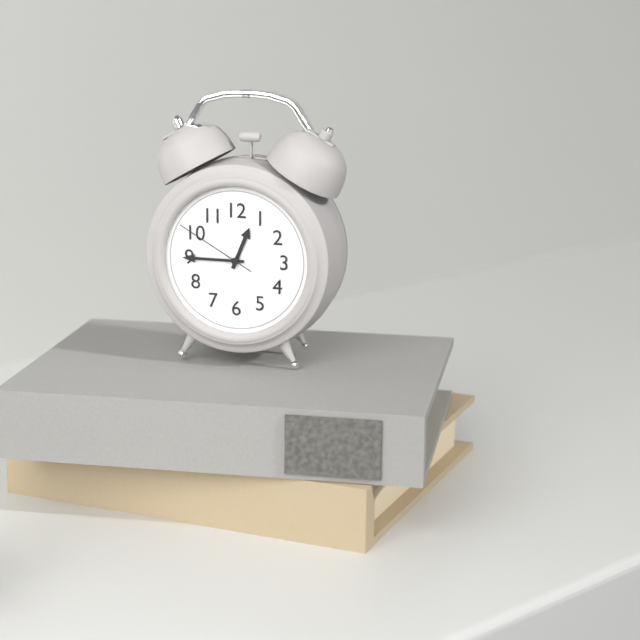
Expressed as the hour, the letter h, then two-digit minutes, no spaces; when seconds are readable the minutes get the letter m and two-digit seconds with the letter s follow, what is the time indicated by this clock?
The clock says 12h45m50s
